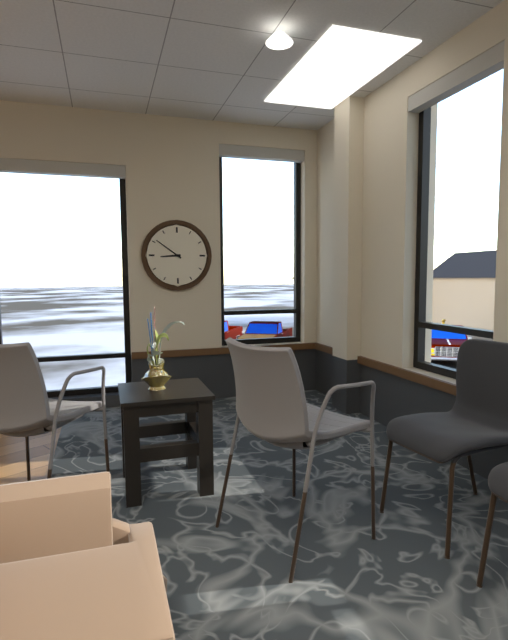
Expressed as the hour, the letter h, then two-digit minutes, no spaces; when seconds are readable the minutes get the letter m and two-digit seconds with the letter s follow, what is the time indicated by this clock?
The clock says 8h51
